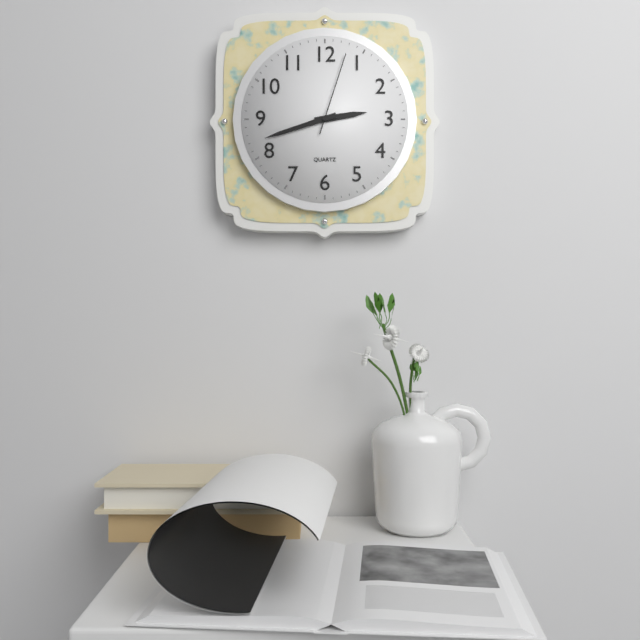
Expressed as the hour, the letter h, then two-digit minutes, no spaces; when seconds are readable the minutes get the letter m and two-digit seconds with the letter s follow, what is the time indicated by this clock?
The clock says 2h42m03s
